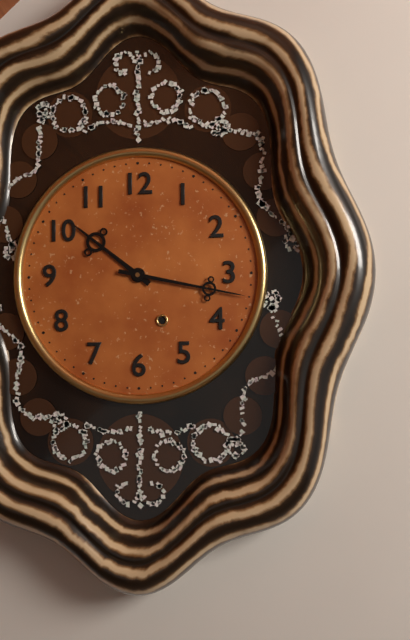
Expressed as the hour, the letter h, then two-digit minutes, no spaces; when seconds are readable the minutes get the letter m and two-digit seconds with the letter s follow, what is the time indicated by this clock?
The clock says 10h17
